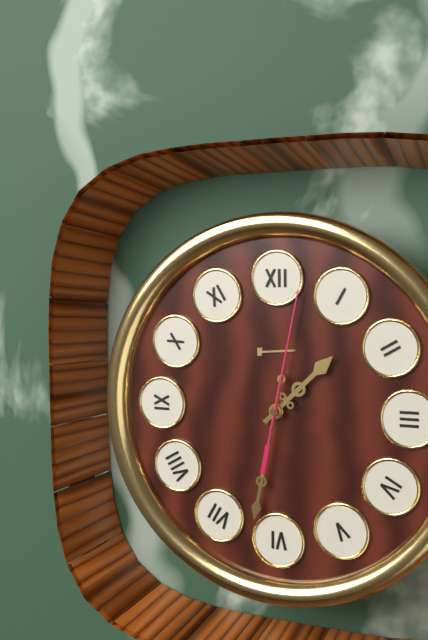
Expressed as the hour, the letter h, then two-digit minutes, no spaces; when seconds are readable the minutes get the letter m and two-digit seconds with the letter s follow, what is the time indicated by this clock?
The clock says 1h32m02s
